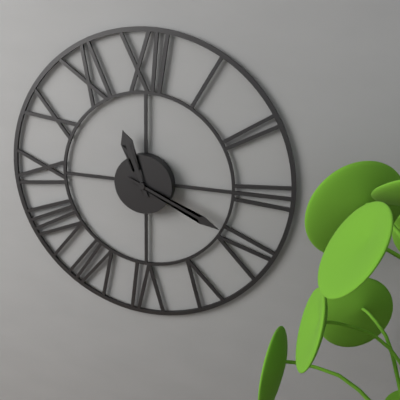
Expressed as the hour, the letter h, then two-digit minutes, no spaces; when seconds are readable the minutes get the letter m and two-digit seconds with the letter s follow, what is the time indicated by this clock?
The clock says 11h19
